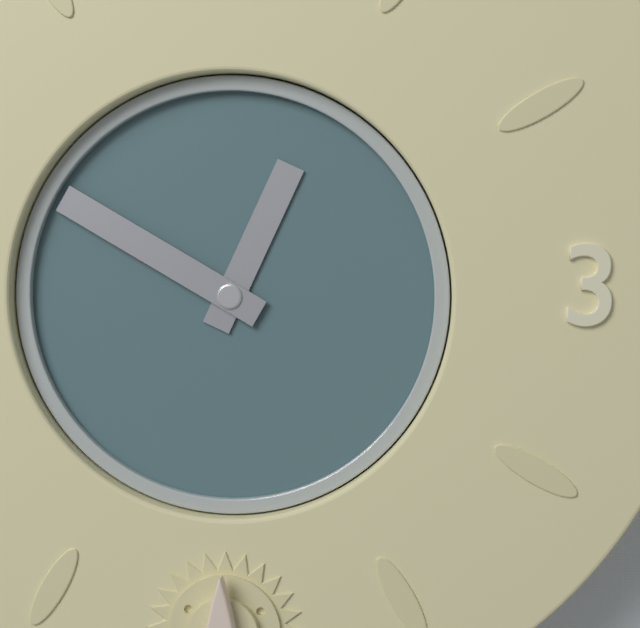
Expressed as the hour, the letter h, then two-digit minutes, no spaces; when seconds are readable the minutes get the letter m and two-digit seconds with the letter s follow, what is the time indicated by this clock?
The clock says 12h50
